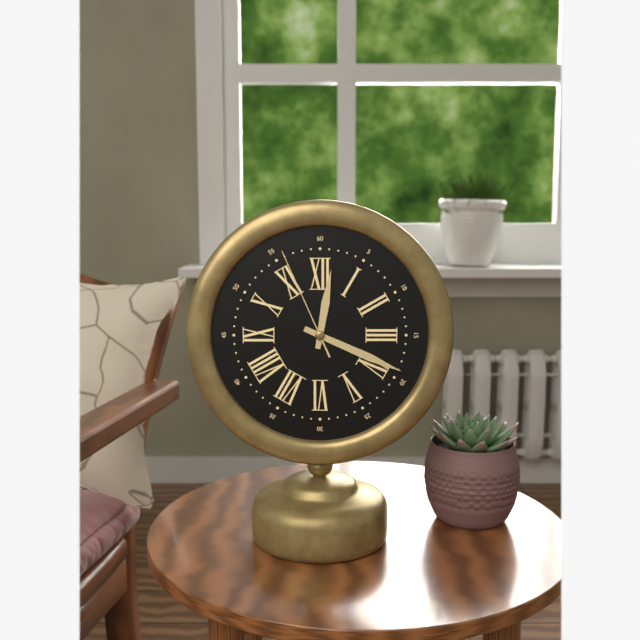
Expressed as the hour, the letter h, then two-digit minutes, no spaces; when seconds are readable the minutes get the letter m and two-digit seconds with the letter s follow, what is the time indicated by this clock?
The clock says 12h19m56s
